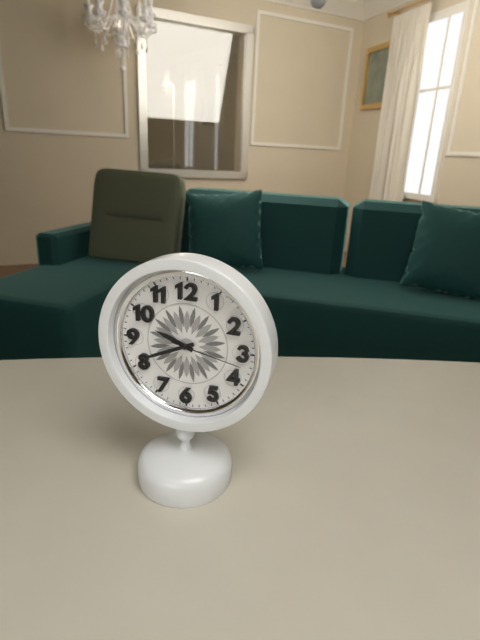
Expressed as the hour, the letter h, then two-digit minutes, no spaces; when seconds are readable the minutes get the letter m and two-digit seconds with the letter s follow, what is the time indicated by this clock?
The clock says 9h41m17s
